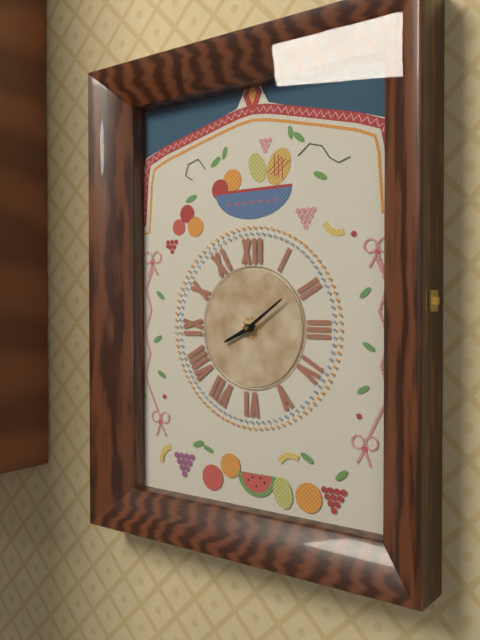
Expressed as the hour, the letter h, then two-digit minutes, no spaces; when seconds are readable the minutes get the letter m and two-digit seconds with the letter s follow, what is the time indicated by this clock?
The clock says 8h09
